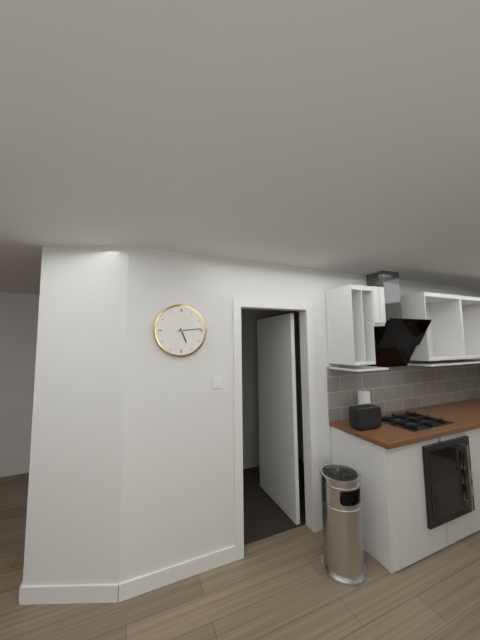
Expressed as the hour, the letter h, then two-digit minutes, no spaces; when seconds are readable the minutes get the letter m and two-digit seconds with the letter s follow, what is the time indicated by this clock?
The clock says 5h14
